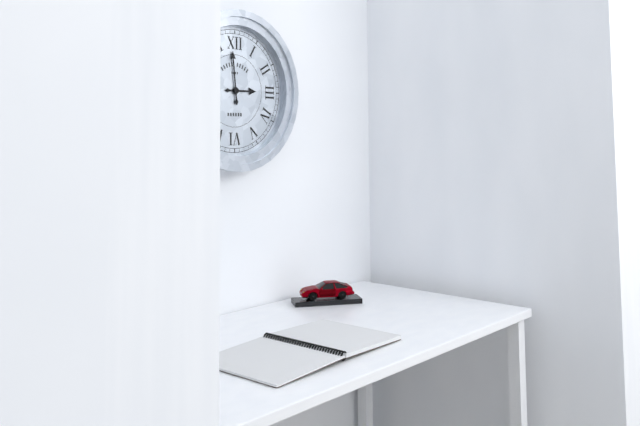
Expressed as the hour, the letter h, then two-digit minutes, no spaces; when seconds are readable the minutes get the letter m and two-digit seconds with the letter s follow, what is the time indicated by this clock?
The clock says 2h59
